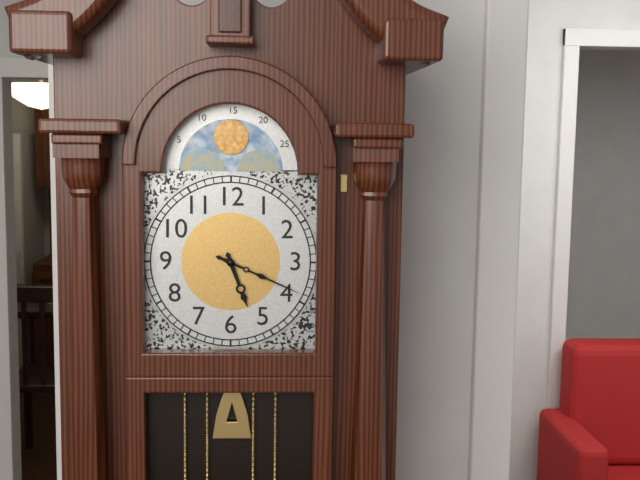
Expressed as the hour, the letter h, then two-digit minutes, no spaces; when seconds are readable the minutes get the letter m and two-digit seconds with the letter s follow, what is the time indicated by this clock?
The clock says 5h19
